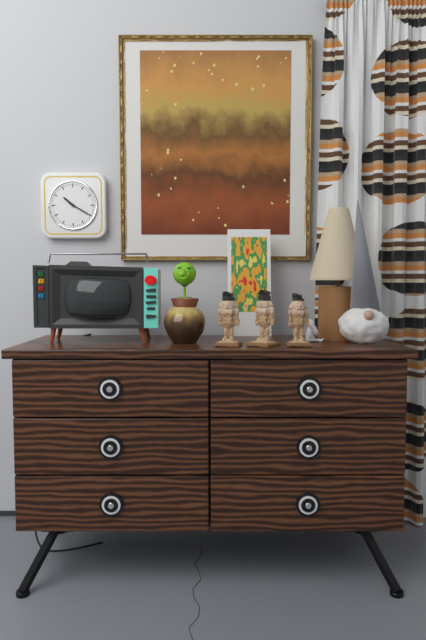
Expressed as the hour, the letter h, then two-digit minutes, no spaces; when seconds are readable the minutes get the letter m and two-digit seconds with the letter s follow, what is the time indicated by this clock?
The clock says 10h20
